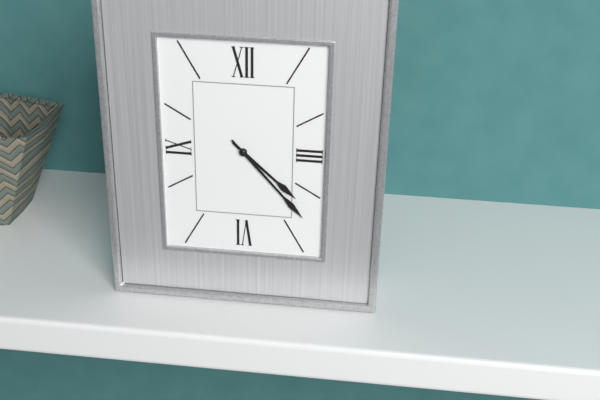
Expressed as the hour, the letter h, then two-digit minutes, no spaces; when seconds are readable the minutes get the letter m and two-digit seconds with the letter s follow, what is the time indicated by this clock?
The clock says 4h23
